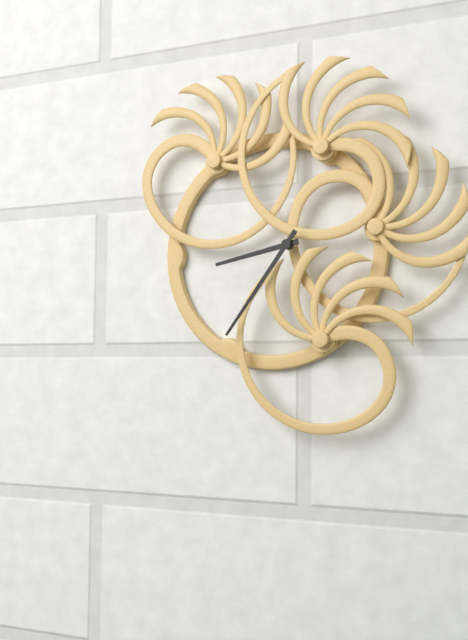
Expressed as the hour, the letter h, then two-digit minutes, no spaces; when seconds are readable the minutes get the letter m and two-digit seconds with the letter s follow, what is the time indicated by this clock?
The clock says 8h36
